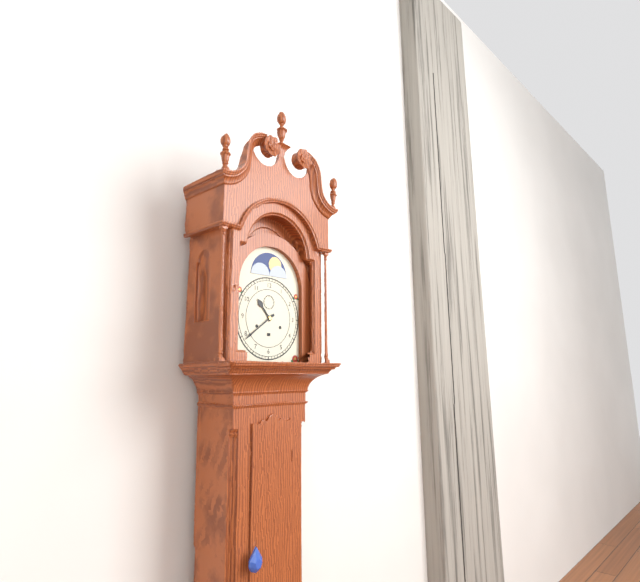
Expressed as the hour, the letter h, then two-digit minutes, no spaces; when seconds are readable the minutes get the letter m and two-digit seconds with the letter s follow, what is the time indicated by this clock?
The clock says 10h39
